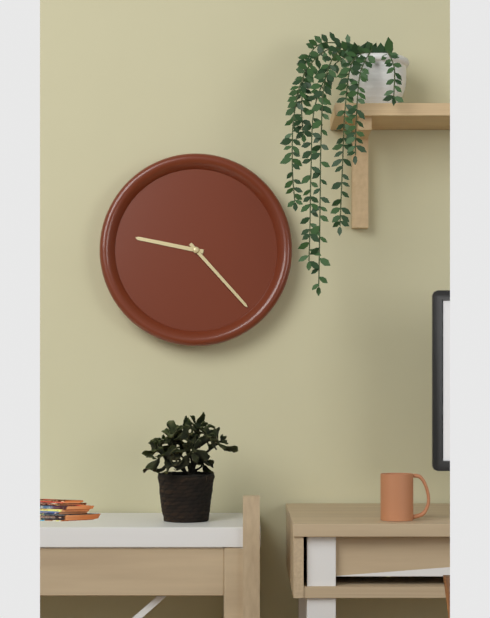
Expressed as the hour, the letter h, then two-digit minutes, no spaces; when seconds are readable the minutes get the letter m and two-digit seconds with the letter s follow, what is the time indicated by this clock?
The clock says 9h23
